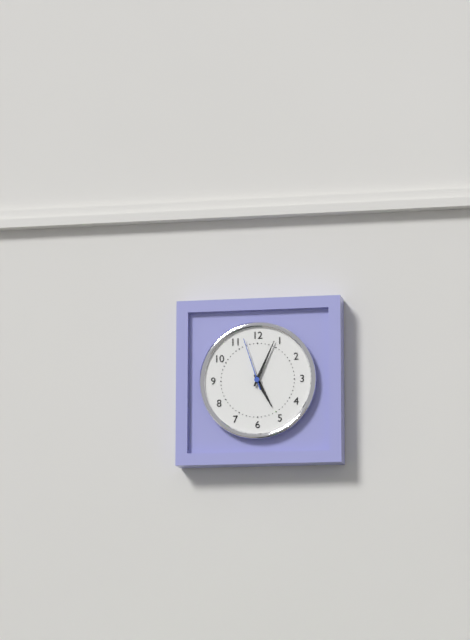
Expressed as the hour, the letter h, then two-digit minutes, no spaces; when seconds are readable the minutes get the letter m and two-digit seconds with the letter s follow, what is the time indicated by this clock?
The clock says 5h04m57s
